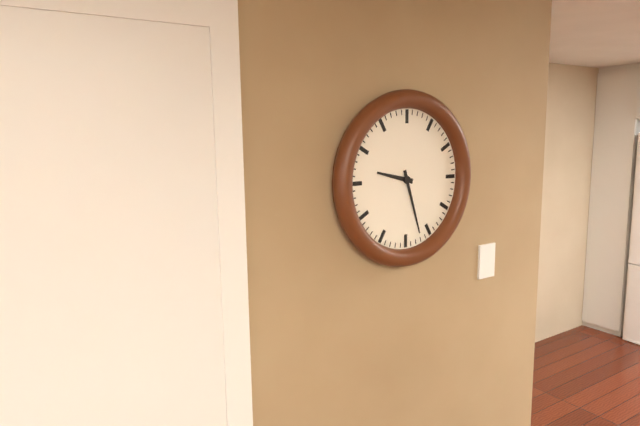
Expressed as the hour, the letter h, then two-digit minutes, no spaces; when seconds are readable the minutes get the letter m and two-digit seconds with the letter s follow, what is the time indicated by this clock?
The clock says 9h27
